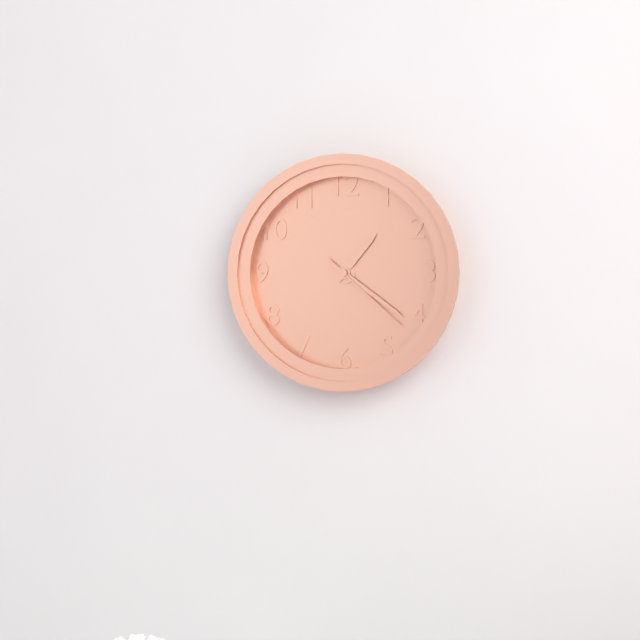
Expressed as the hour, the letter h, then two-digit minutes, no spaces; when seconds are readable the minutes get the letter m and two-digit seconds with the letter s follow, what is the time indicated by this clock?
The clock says 1h21m22s
